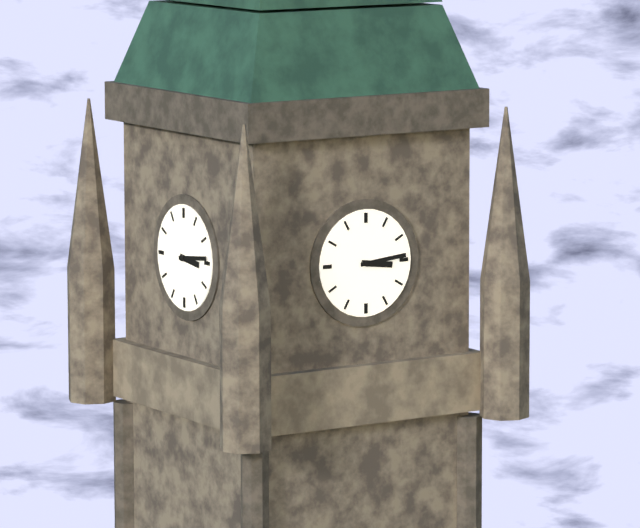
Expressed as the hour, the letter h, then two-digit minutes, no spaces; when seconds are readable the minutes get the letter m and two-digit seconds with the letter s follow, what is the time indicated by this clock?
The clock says 3h14
